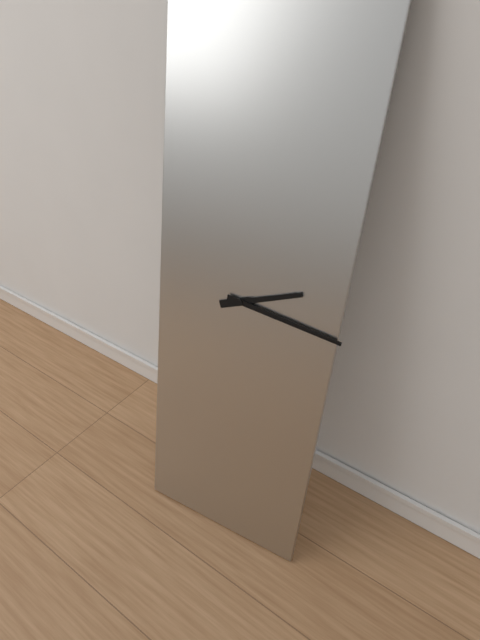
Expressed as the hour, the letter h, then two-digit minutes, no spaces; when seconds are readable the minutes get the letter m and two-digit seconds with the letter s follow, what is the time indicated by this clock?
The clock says 2h16
